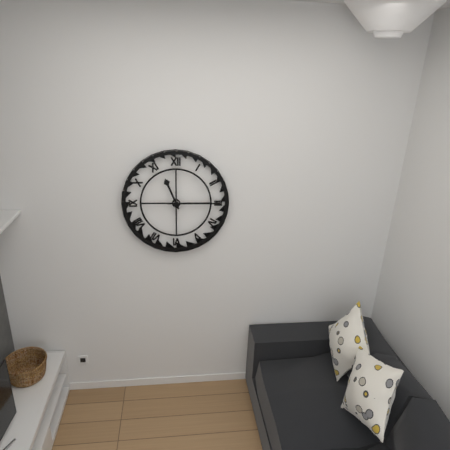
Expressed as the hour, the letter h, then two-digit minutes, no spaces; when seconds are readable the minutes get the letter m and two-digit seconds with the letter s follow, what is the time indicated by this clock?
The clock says 11h15
